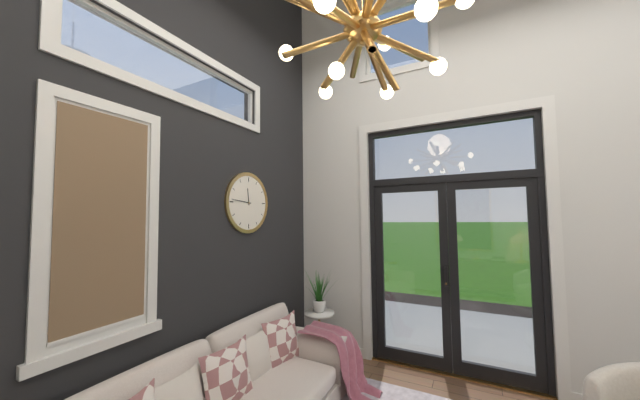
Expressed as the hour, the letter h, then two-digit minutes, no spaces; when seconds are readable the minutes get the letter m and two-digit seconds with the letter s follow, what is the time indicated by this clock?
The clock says 11h46
